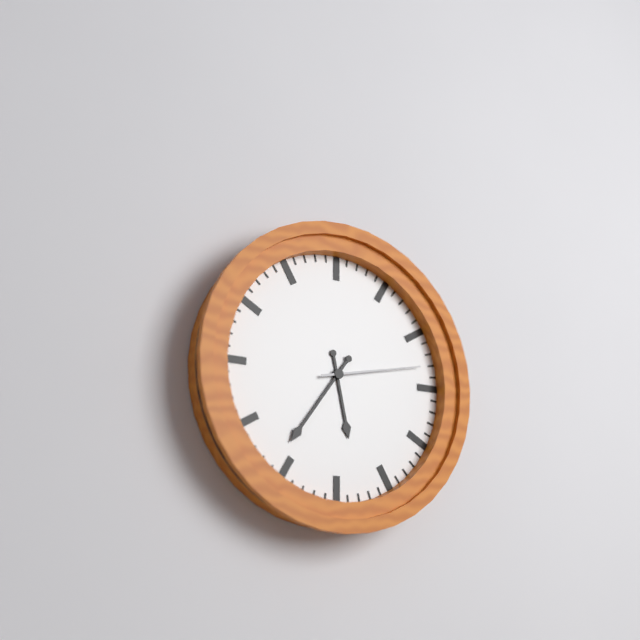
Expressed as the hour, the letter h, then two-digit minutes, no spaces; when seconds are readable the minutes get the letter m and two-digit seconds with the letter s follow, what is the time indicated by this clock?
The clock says 5h36m13s
